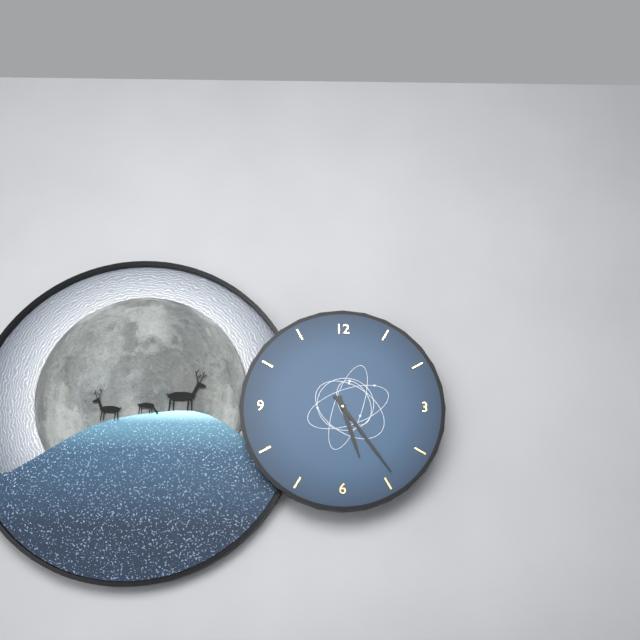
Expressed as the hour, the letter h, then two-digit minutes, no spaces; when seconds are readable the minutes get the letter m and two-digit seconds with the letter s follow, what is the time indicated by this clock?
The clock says 5h24
